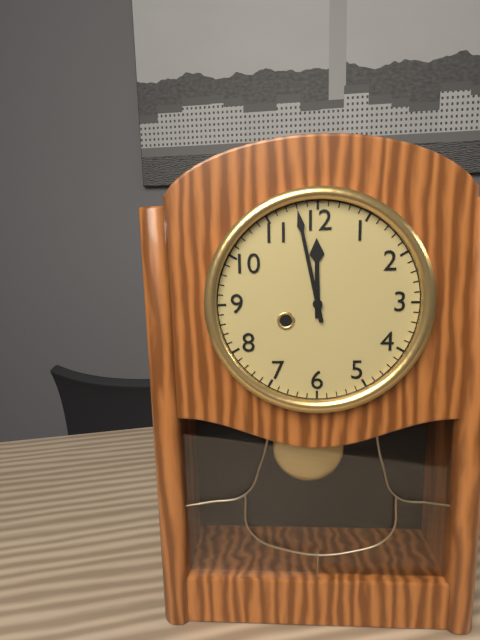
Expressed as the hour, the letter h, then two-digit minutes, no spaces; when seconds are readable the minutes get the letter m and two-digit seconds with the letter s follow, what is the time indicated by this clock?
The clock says 11h58
